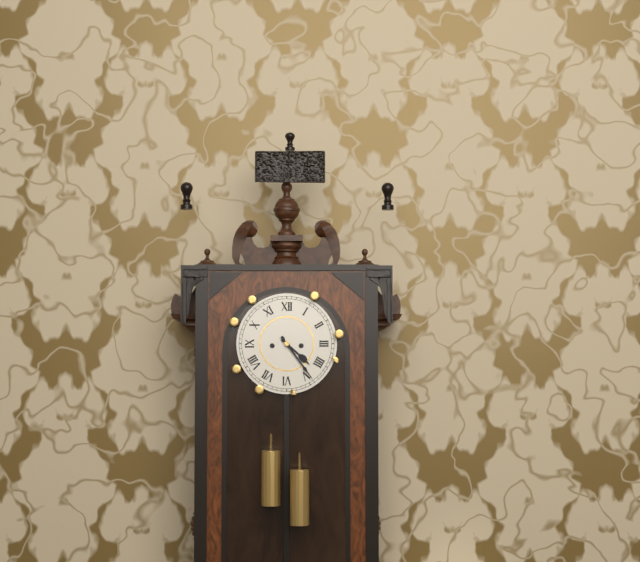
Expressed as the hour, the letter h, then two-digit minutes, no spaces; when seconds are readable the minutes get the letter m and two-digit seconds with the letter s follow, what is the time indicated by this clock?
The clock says 4h24
